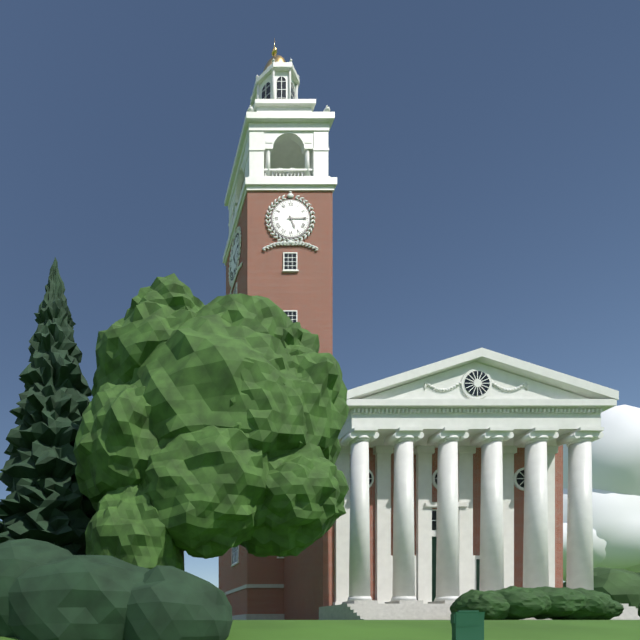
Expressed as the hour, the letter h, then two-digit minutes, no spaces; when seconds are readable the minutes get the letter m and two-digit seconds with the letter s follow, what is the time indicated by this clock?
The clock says 5h15
